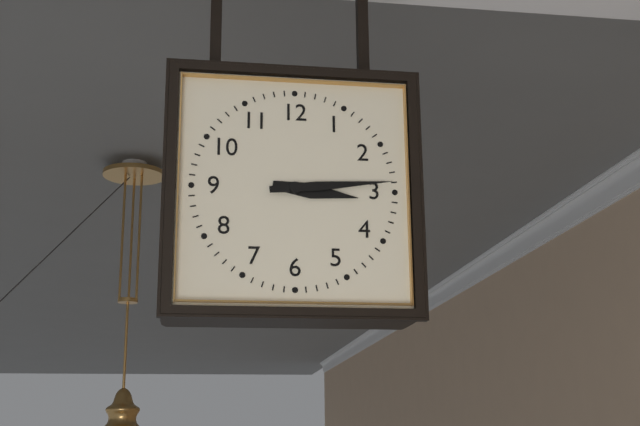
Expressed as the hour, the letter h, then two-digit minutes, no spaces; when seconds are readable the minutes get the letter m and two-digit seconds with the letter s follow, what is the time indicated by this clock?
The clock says 3h14
